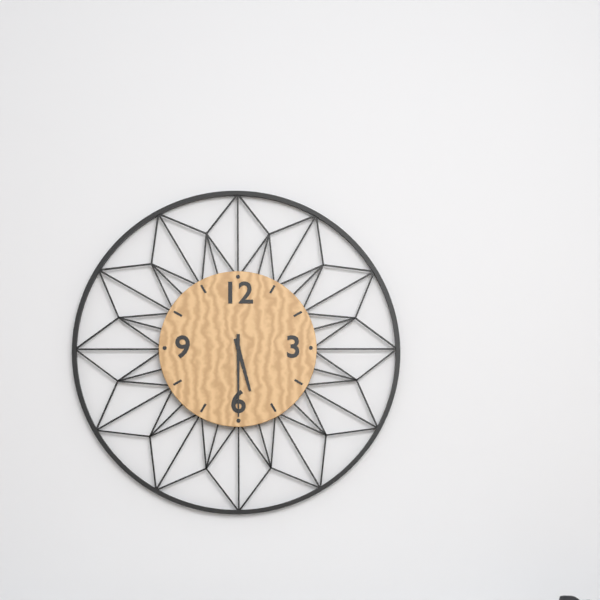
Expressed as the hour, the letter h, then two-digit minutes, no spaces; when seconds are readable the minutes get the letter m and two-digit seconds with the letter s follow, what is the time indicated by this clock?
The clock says 5h30
